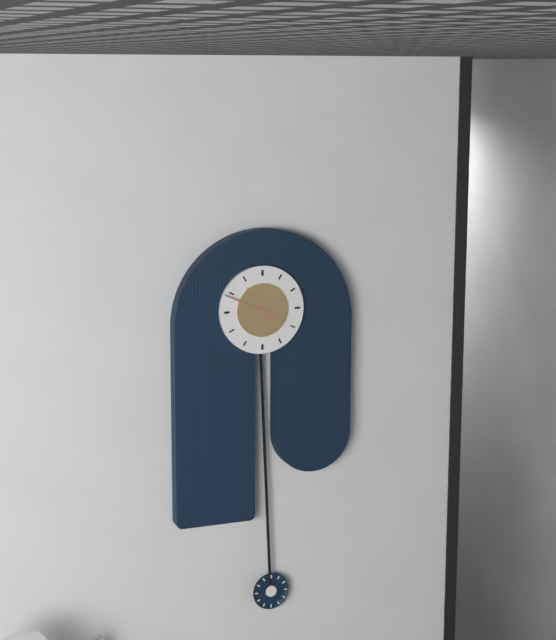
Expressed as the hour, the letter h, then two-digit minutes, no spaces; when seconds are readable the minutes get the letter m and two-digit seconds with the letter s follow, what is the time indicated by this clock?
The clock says 10h49
